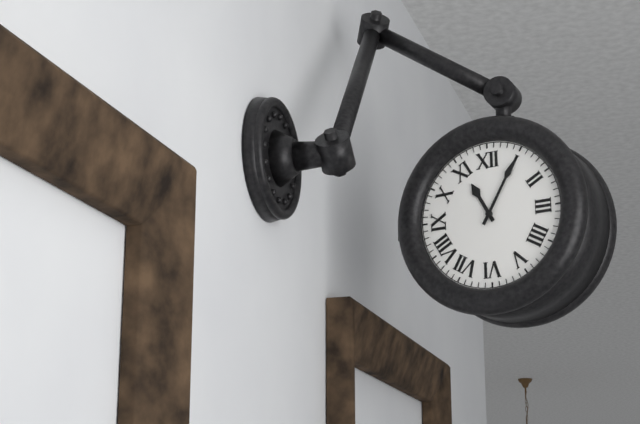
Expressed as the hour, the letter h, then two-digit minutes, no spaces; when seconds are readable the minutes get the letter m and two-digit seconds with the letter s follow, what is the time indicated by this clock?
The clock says 11h05
